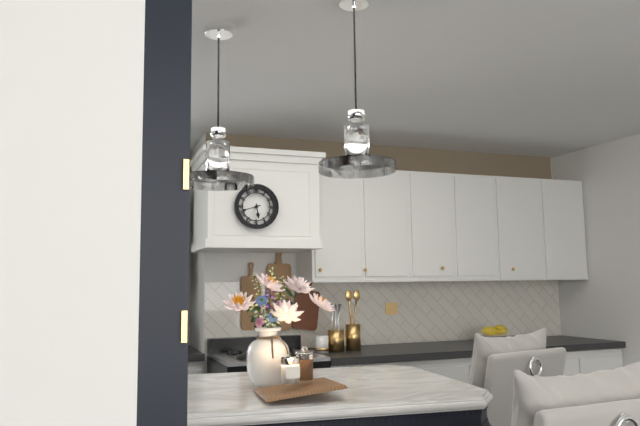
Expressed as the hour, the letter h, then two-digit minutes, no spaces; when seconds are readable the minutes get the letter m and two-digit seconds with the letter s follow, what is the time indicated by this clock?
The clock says 5h42
